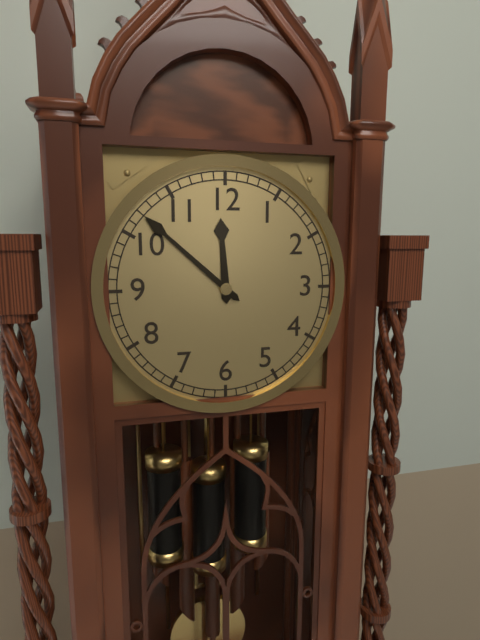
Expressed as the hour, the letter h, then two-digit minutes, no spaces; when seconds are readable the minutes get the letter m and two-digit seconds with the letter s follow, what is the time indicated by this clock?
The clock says 11h52
